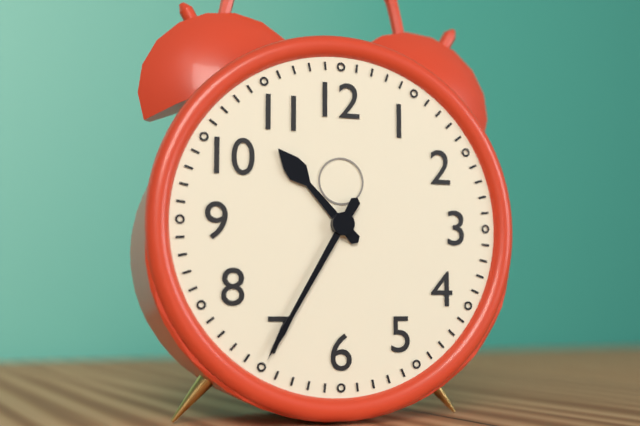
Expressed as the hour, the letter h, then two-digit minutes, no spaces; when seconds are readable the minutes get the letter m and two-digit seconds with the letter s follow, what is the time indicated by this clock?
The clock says 10h35
